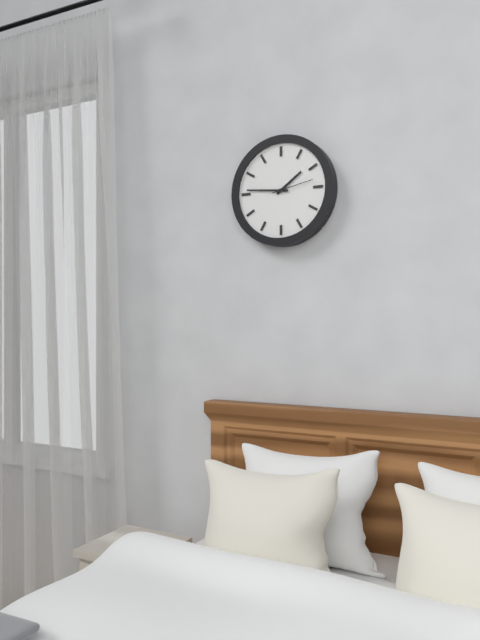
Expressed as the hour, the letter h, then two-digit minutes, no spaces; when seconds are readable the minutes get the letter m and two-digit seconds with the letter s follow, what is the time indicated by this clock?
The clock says 1h46
